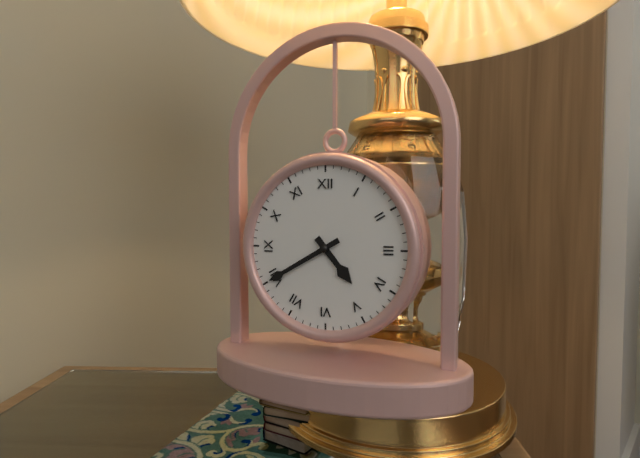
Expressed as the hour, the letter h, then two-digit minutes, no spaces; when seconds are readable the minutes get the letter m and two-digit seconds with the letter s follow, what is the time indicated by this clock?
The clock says 4h40
